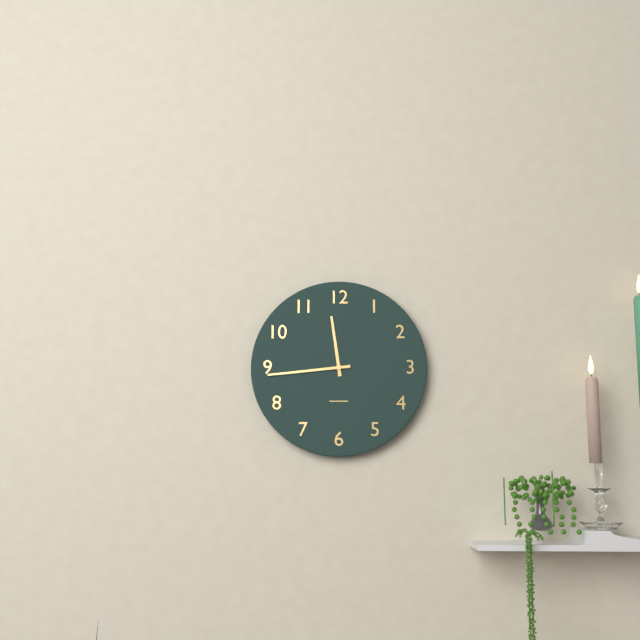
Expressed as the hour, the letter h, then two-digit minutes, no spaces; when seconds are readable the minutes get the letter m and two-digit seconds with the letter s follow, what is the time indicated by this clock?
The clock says 11h44
